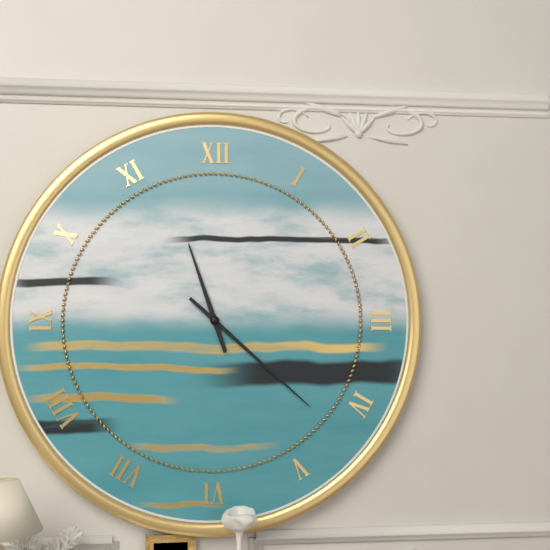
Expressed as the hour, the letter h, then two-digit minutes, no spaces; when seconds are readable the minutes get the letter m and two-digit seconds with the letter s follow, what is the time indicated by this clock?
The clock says 11h22
